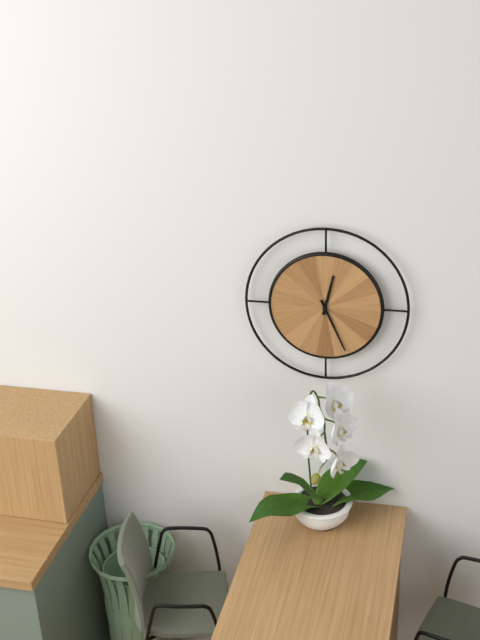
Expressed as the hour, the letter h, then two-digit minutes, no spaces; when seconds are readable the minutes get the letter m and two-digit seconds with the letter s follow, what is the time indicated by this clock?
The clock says 12h26
